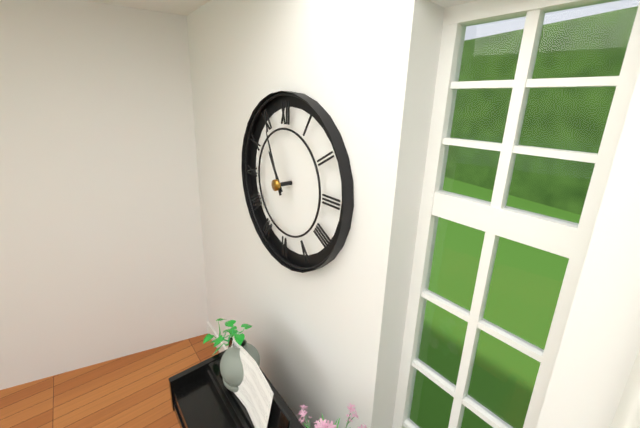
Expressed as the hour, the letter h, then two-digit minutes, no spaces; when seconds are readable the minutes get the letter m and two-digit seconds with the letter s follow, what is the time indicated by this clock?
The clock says 10h56
